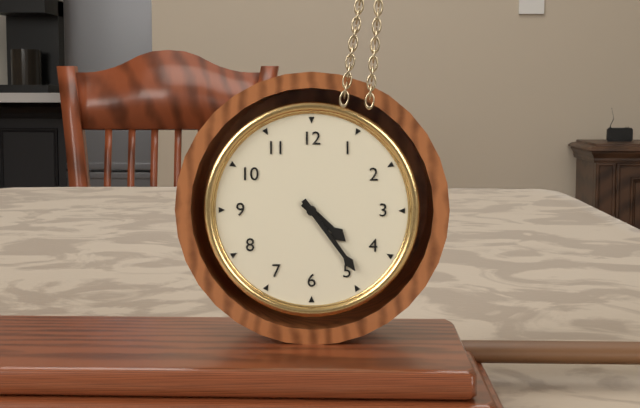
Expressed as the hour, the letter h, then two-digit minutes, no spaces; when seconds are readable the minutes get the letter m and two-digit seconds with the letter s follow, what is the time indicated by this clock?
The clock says 4h24
